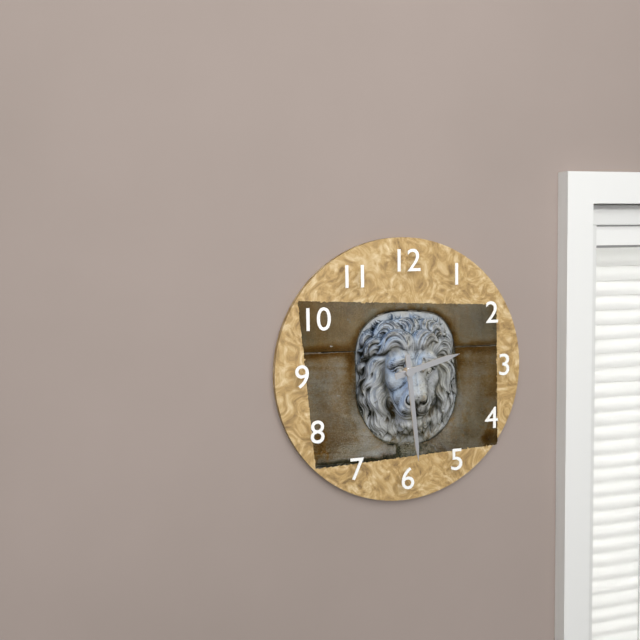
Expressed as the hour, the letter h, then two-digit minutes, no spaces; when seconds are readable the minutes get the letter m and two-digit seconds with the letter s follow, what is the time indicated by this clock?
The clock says 2h29
